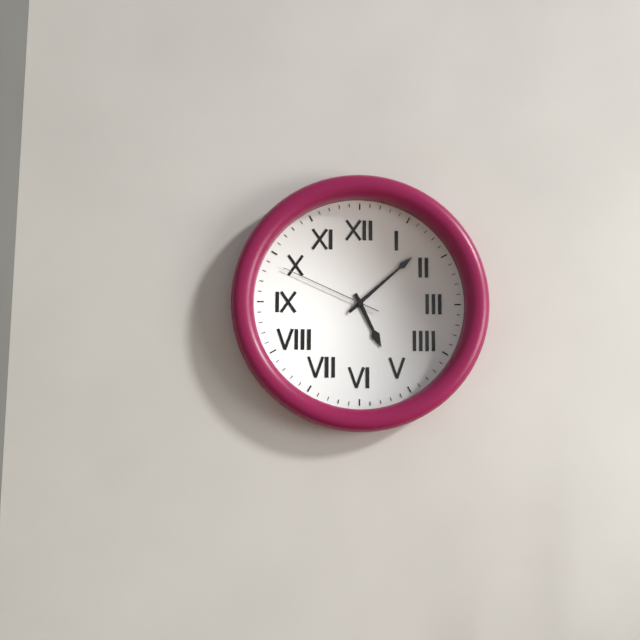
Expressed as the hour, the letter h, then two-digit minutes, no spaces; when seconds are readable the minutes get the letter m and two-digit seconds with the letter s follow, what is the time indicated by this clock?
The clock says 5h08m49s
